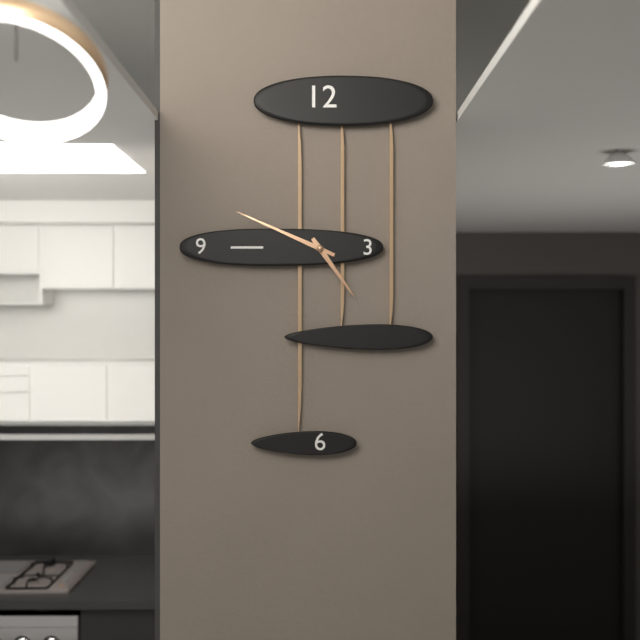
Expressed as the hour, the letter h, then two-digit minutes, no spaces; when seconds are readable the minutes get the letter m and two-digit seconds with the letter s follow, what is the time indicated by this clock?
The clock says 4h49
